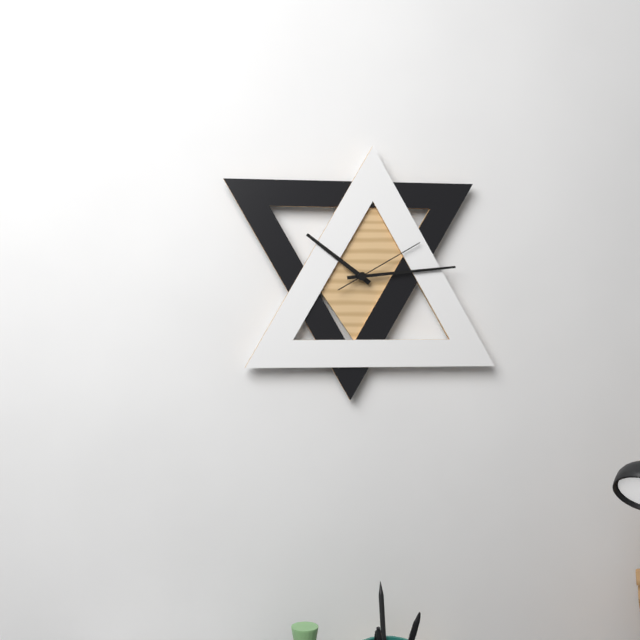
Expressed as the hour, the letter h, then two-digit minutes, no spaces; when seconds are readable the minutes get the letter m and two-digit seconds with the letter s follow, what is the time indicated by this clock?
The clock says 10h14m10s
